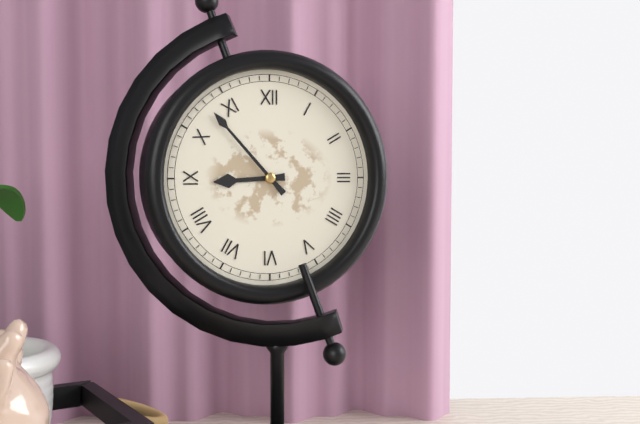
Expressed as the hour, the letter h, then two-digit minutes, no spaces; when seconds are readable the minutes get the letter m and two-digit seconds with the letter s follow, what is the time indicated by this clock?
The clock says 8h53
